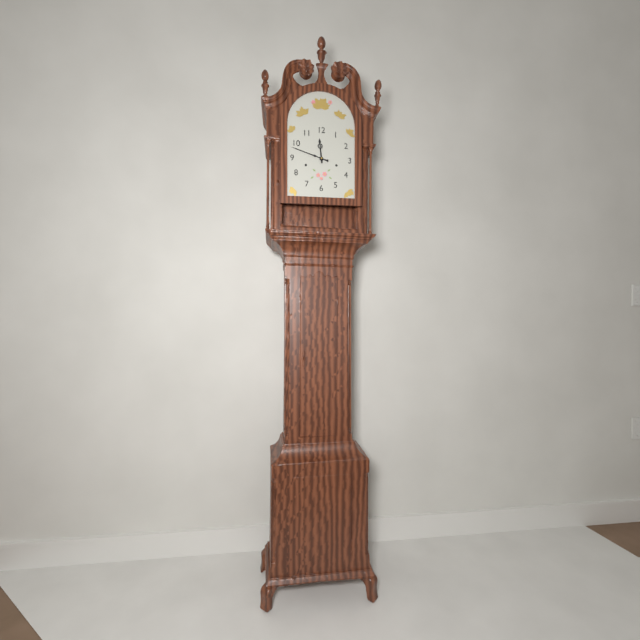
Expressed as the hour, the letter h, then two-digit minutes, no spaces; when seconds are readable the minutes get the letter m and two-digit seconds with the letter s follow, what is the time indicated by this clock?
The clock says 11h48
